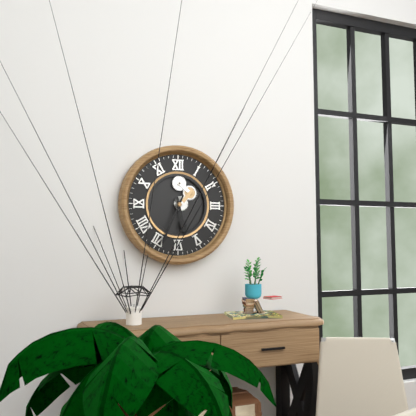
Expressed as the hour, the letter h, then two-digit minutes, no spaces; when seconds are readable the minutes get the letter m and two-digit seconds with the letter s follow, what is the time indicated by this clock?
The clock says 5h34
